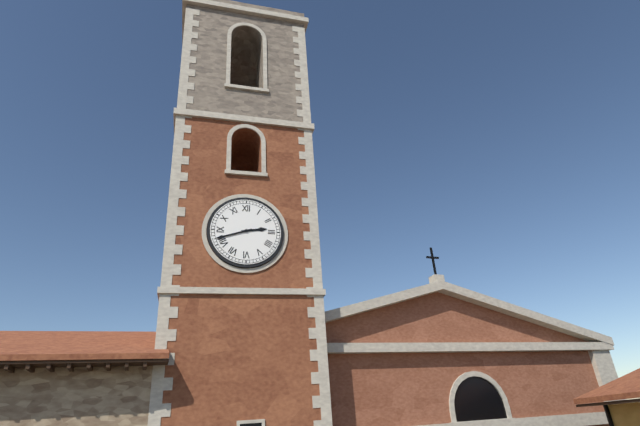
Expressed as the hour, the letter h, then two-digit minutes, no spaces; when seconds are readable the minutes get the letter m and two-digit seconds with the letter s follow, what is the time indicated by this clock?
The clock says 2h42
